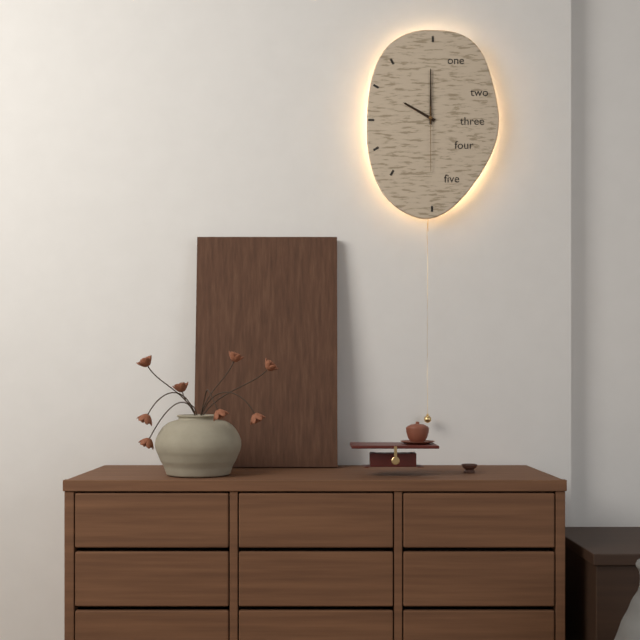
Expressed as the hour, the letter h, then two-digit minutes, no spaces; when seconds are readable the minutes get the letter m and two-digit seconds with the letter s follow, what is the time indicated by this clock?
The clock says 10h00m30s
